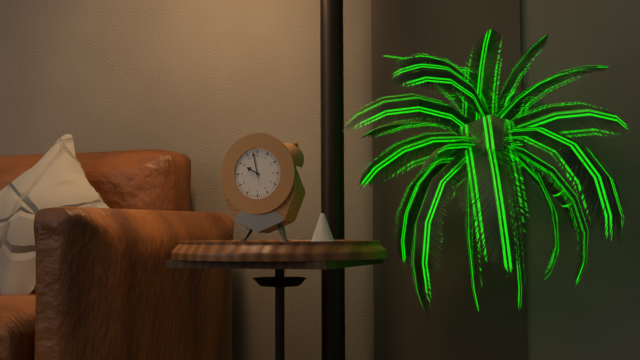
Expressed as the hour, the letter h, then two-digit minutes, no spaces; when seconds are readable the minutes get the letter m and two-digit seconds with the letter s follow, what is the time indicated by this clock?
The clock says 9h58
